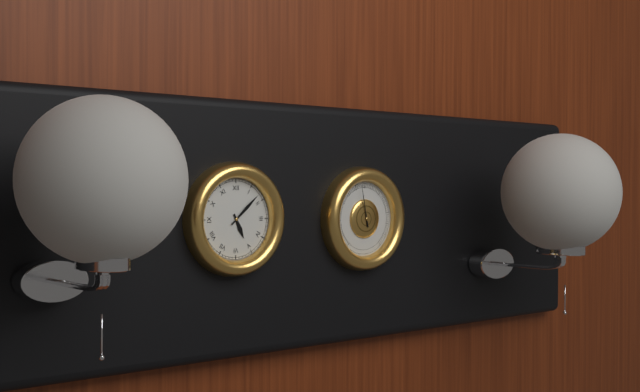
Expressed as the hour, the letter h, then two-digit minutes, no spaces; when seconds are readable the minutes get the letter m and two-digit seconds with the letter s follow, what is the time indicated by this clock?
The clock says 5h08
